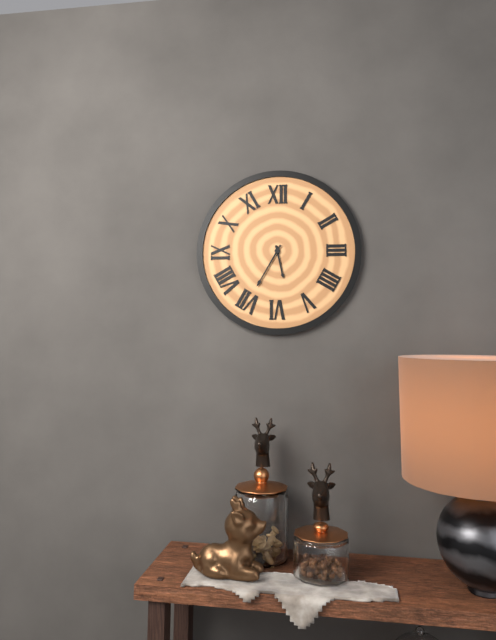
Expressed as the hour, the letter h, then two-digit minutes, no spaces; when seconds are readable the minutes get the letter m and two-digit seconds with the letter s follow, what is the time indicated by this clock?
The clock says 5h35
